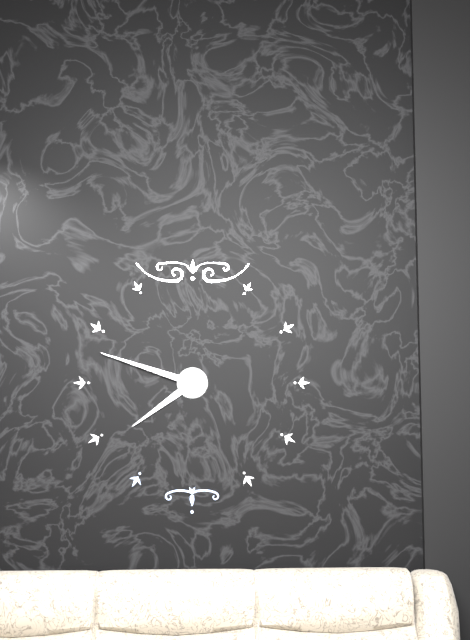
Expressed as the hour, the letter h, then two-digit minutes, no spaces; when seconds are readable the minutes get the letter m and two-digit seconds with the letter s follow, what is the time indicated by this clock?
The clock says 7h48
